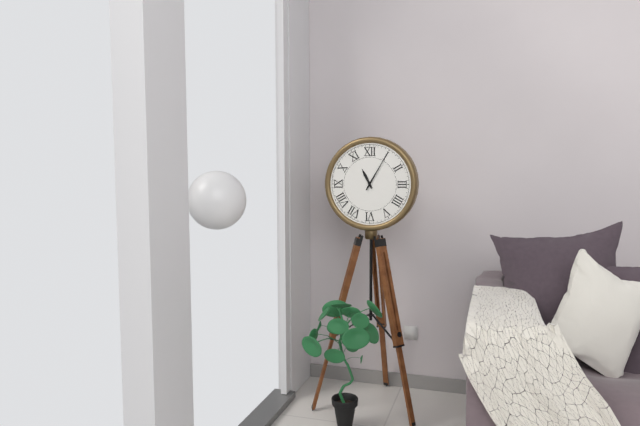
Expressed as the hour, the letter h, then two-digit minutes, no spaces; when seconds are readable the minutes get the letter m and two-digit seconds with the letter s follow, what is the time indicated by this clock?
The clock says 11h05
